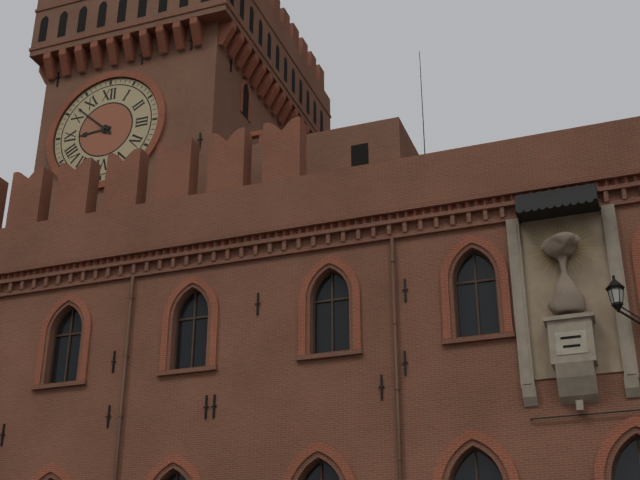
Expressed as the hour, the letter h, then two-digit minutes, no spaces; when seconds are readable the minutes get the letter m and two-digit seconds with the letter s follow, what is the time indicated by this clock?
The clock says 8h52
